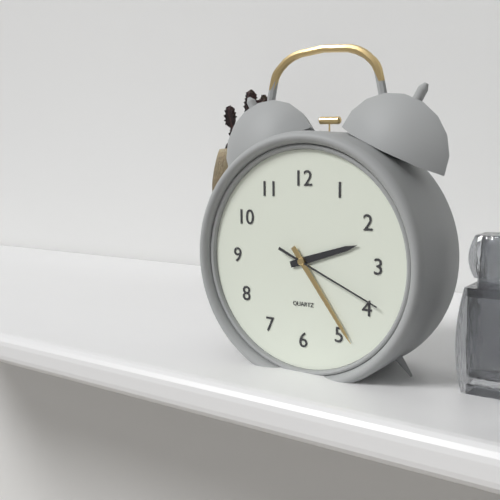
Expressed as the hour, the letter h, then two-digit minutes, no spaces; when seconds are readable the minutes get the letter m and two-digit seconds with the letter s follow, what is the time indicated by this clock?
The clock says 2h24m19s
